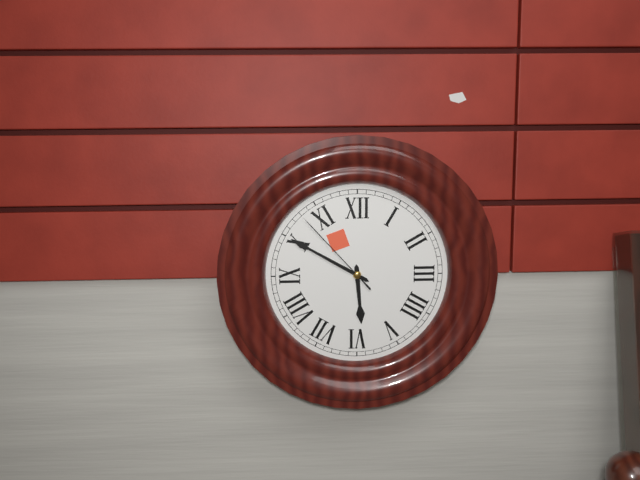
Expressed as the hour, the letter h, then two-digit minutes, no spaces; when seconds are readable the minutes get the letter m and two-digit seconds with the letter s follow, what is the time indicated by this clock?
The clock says 5h50m53s
